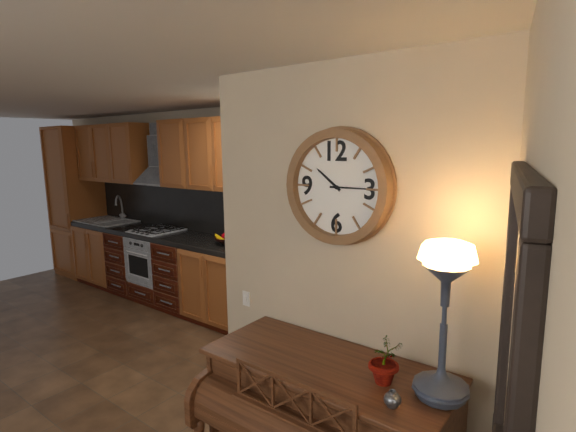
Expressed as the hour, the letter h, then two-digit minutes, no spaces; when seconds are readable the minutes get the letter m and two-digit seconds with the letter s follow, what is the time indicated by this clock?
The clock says 10h15
